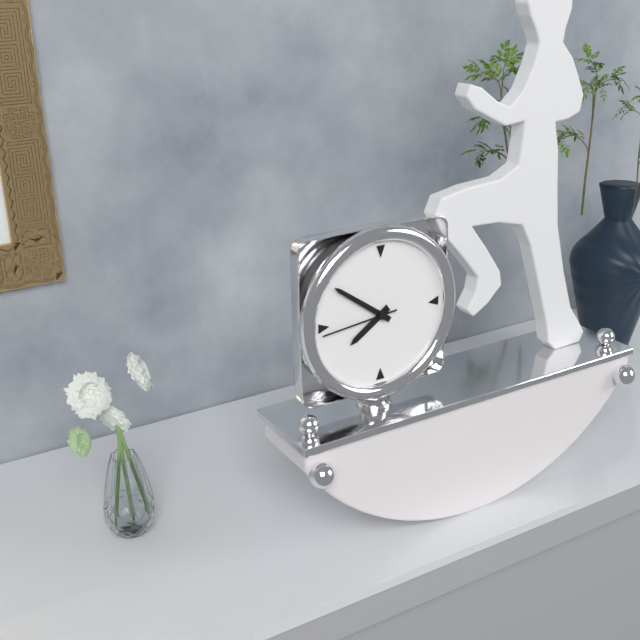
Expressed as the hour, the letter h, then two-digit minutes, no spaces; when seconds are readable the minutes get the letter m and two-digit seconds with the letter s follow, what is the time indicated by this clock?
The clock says 7h51m44s
